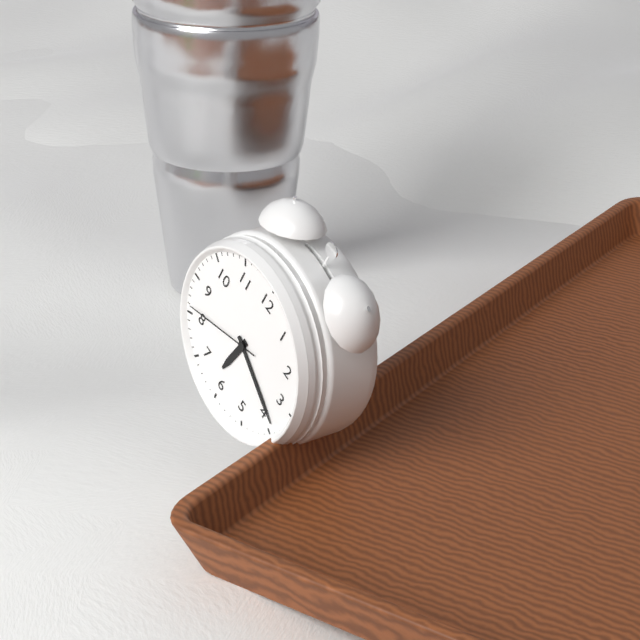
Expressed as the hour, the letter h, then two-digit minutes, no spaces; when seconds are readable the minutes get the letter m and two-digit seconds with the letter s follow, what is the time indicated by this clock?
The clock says 6h19m41s
